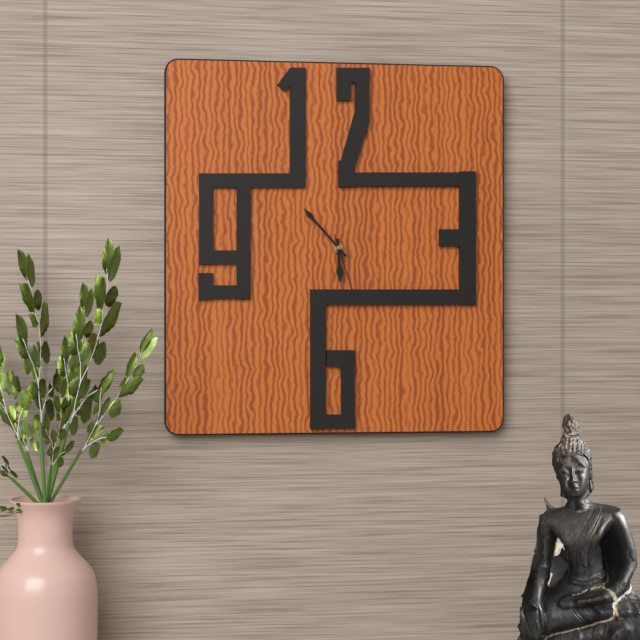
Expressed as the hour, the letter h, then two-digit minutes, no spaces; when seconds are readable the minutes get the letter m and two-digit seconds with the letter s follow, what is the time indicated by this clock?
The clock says 5h53m27s
